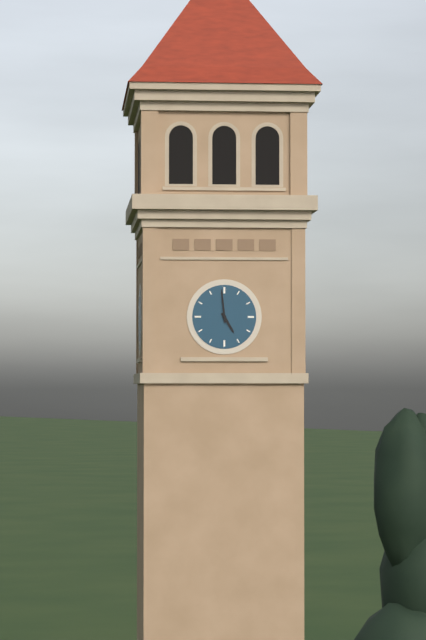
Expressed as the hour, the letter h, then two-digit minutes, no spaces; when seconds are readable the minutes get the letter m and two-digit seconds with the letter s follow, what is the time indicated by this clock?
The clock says 4h59
